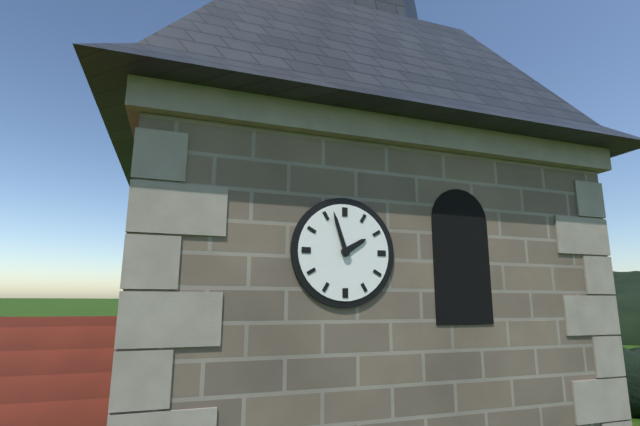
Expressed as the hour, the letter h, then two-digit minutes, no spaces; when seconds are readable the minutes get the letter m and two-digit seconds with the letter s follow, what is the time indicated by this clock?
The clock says 1h57
